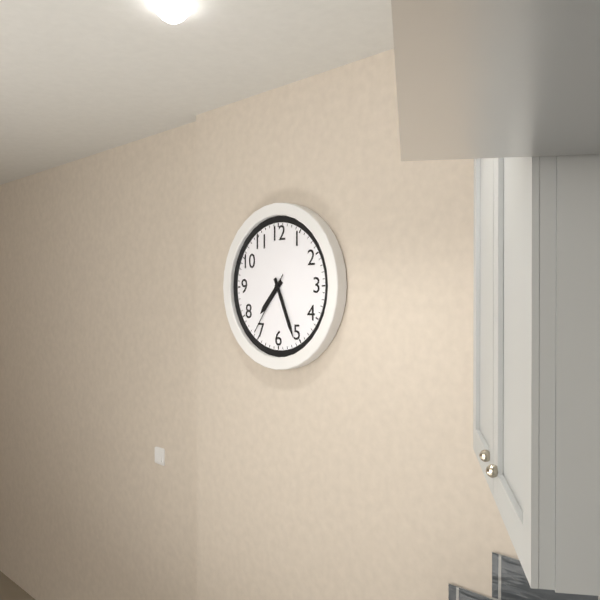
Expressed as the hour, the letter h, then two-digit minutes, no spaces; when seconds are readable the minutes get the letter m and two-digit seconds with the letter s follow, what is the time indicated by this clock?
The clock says 7h26m36s
